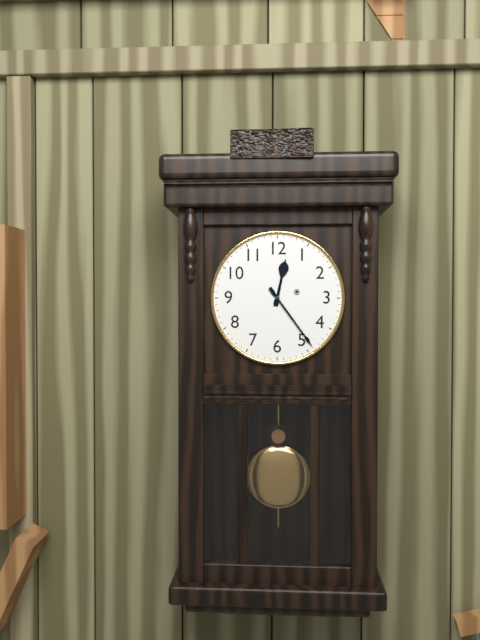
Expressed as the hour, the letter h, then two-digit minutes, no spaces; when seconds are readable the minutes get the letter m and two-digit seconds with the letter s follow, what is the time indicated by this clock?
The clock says 12h24
